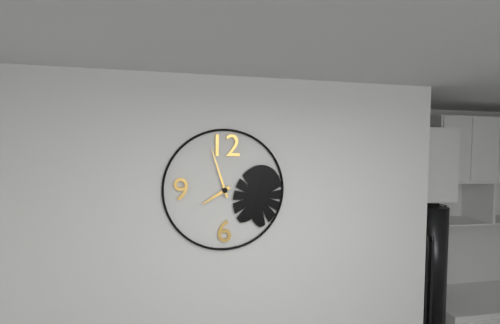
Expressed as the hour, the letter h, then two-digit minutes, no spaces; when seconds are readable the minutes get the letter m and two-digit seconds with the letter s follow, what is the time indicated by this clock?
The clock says 7h57
